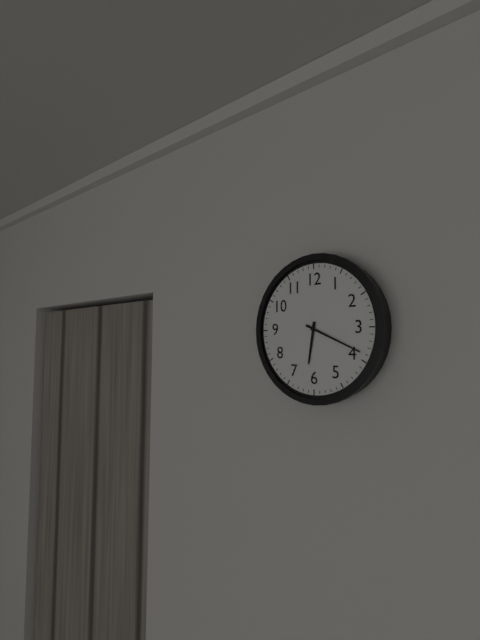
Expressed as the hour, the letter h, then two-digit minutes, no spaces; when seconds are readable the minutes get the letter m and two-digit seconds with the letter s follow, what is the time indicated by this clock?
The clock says 6h19
